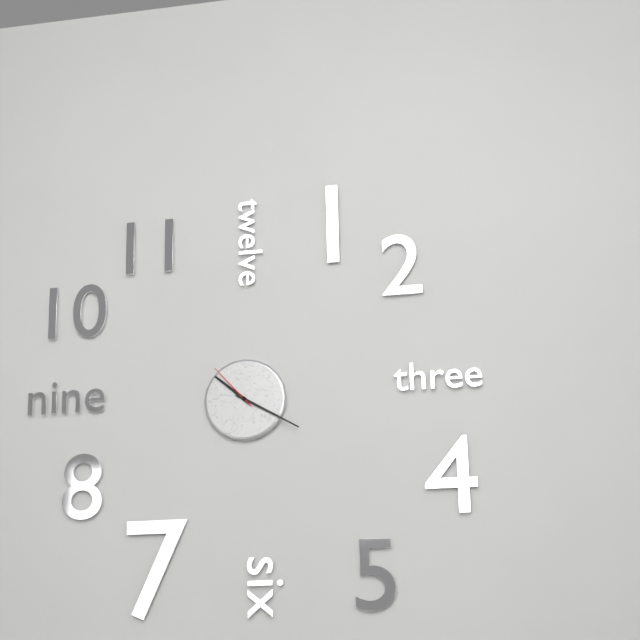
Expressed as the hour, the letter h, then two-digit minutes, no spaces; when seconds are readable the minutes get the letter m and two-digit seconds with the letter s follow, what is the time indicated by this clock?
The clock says 10h20m53s
